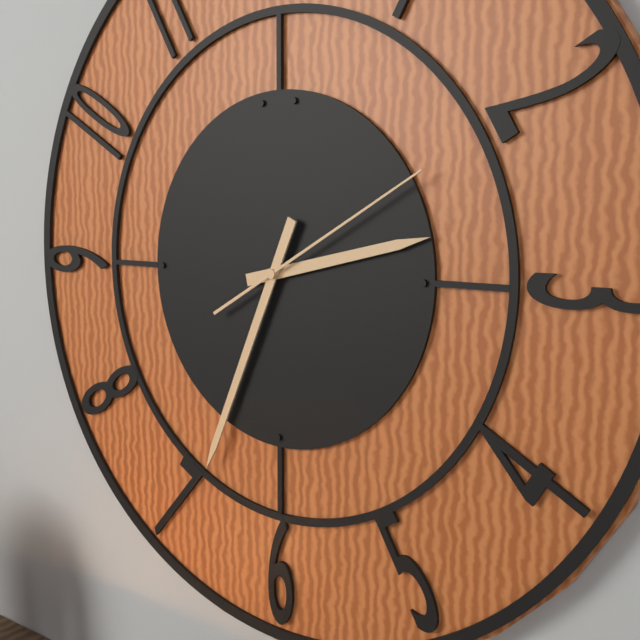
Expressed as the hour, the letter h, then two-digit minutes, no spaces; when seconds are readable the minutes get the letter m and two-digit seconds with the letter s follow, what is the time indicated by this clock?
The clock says 2h34m10s
